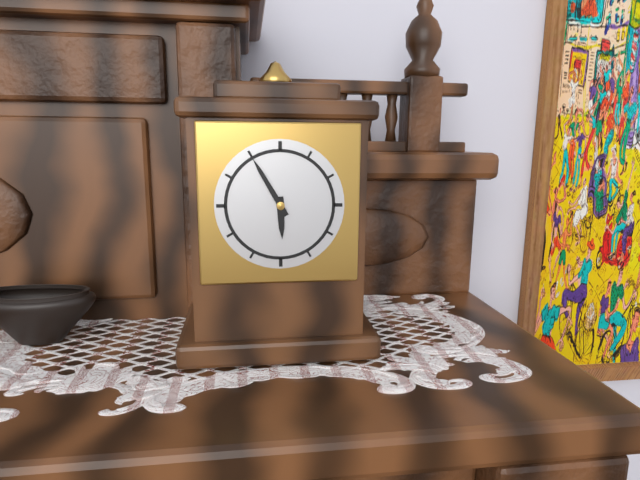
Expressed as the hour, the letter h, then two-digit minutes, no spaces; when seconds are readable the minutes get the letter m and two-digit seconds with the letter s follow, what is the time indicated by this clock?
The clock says 5h55
